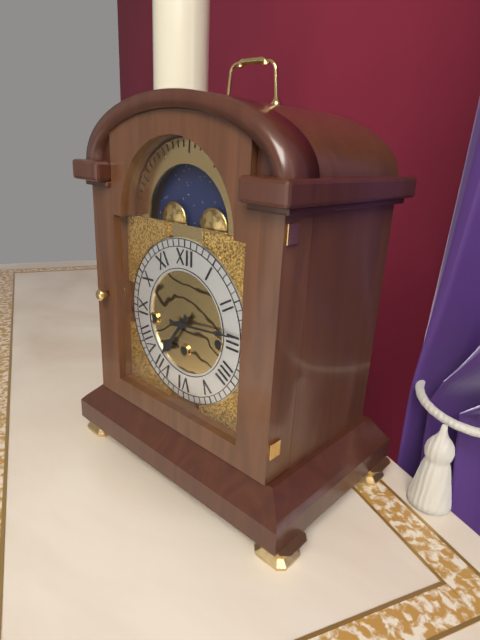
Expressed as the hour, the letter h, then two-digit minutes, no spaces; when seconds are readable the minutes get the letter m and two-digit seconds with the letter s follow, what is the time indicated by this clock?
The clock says 7h14
